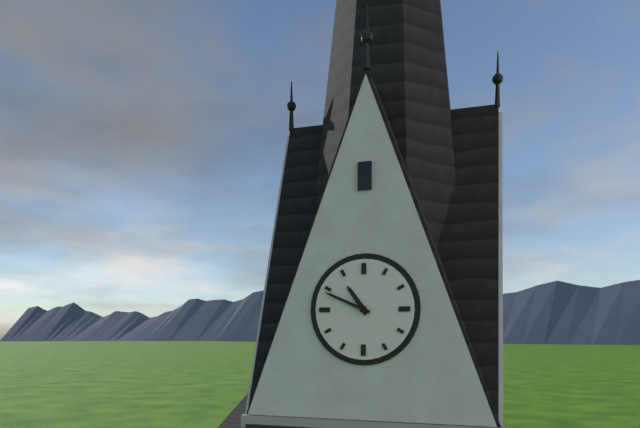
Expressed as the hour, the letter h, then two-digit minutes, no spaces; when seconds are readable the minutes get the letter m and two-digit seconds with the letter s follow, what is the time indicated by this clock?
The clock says 10h49
